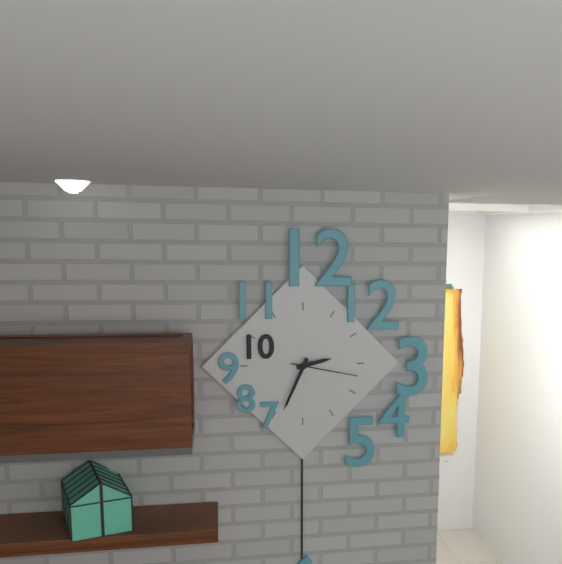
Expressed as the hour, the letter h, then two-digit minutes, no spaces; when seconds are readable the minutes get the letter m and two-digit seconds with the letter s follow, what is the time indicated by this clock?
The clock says 2h34m17s
